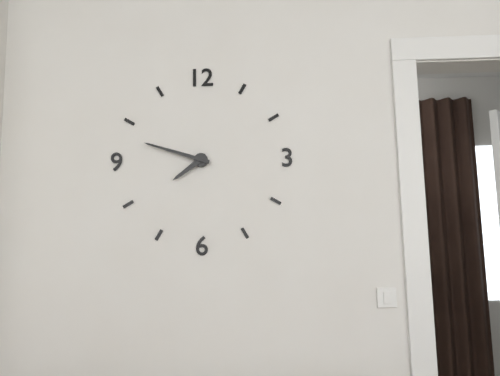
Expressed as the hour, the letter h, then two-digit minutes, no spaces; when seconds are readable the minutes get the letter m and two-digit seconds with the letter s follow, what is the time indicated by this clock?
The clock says 7h48
